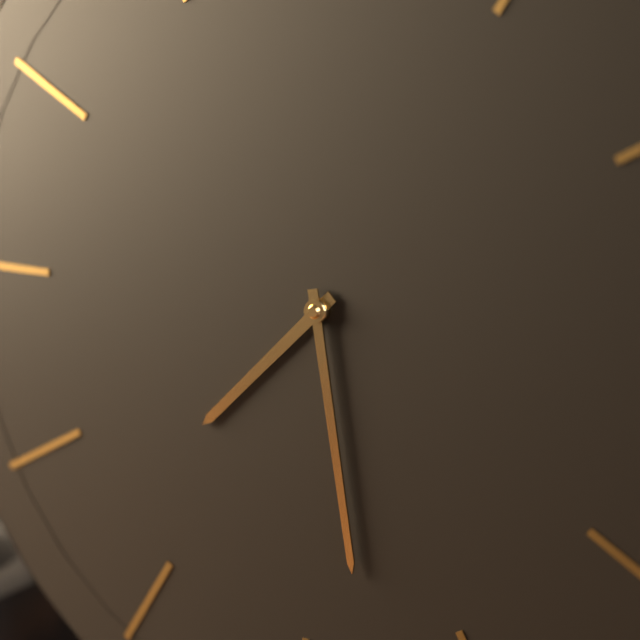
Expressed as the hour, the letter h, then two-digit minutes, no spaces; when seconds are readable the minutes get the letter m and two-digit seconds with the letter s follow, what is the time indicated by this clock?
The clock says 7h28
